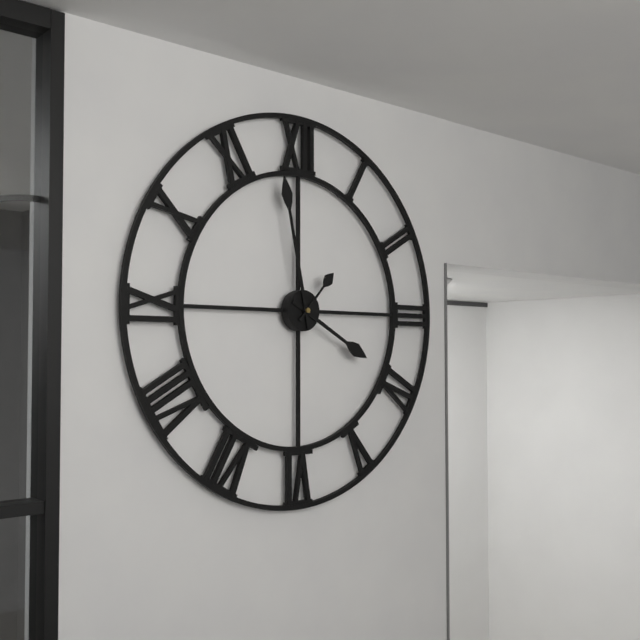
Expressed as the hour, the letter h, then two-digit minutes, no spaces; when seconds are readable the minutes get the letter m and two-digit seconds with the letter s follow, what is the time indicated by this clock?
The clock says 3h58m07s
